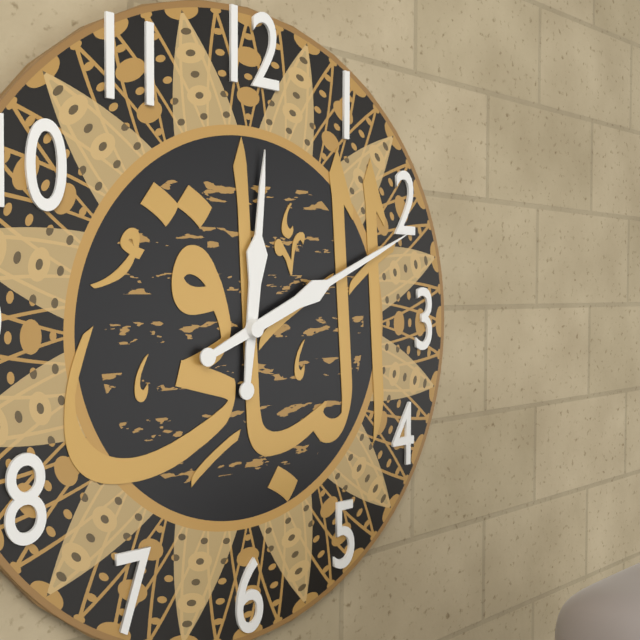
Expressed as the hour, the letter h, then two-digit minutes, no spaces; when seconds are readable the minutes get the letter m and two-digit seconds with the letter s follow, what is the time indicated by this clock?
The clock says 12h11
